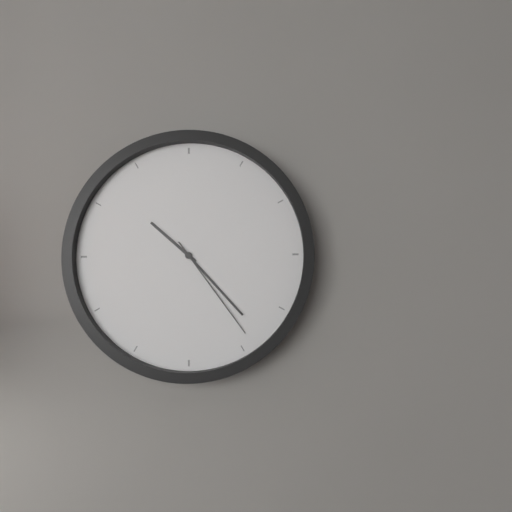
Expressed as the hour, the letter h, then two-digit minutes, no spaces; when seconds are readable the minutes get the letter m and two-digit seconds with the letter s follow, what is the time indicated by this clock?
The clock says 10h23m24s
